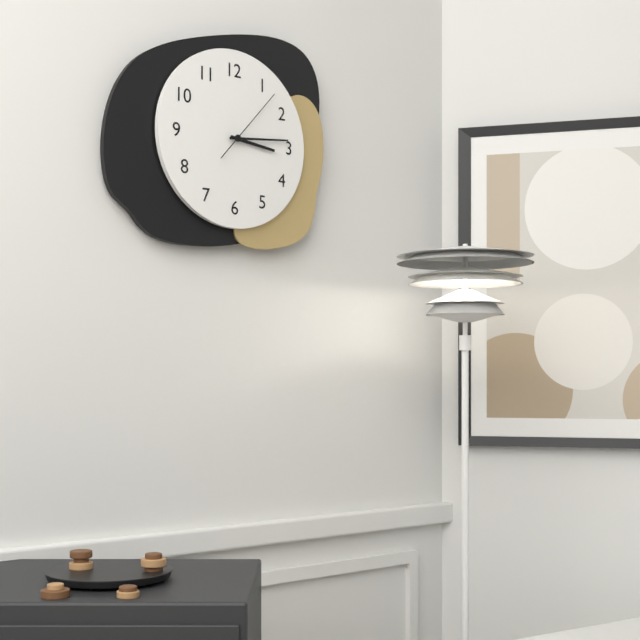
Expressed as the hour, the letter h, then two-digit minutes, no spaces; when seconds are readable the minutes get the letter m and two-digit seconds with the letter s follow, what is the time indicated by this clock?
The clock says 3h14m07s
